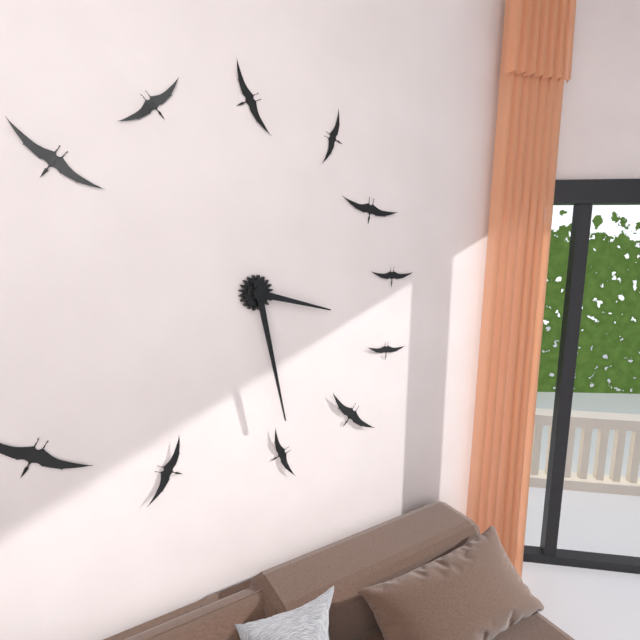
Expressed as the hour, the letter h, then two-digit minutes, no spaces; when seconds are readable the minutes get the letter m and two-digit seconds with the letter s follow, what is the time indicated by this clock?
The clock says 3h28
